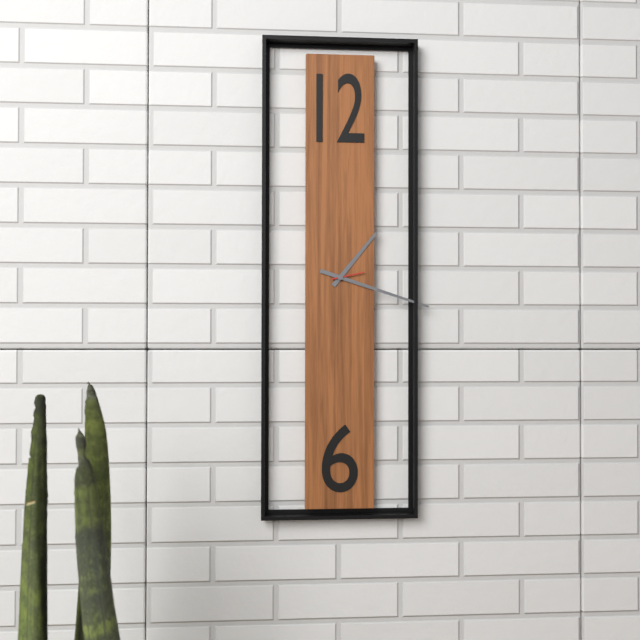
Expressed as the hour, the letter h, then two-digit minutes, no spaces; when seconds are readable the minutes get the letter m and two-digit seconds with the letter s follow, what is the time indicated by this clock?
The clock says 1h18
